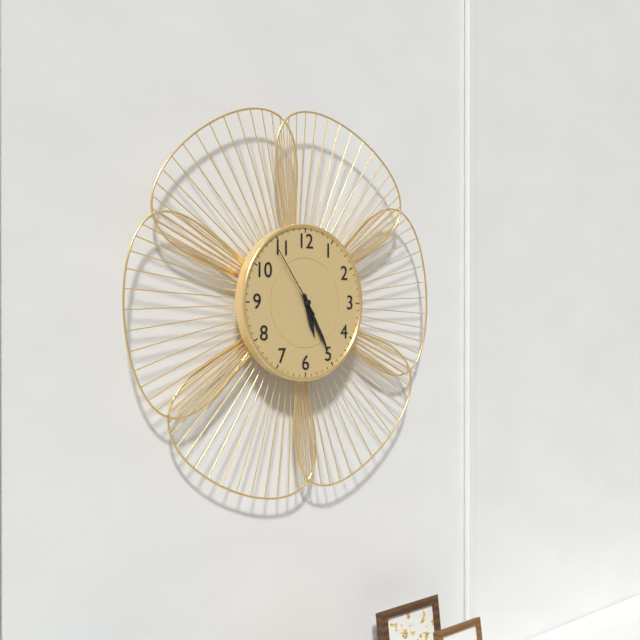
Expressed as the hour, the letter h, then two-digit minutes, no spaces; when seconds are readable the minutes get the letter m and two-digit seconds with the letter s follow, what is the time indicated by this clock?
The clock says 5h25m54s
